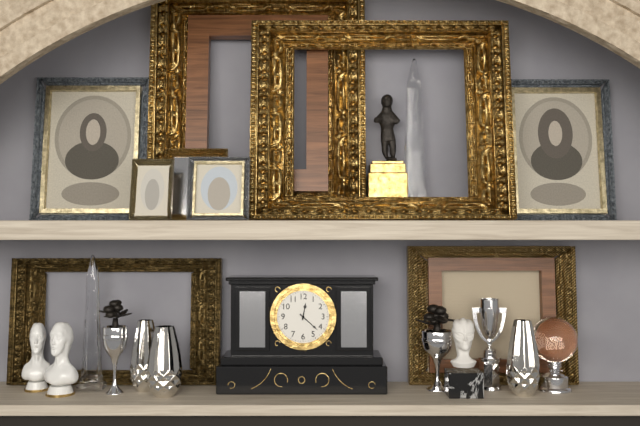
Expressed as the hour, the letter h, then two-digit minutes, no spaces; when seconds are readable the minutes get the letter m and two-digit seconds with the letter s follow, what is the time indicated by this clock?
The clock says 12h22
